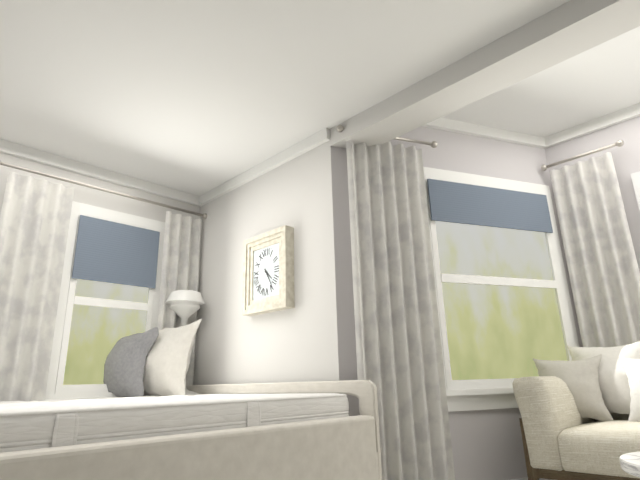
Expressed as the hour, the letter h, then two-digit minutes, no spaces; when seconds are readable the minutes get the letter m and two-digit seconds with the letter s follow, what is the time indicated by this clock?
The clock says 4h25
